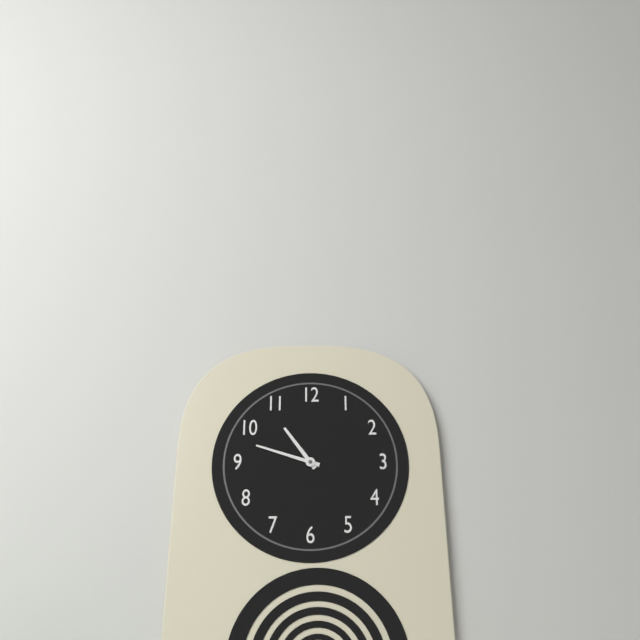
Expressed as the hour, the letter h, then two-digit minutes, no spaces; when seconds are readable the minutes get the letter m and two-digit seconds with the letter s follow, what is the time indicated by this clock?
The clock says 10h48
